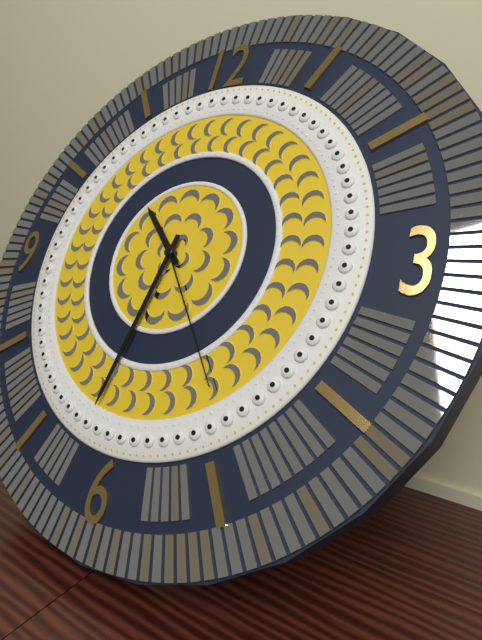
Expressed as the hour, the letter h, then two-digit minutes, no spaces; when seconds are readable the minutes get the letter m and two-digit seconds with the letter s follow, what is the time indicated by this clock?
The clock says 10h32m24s
